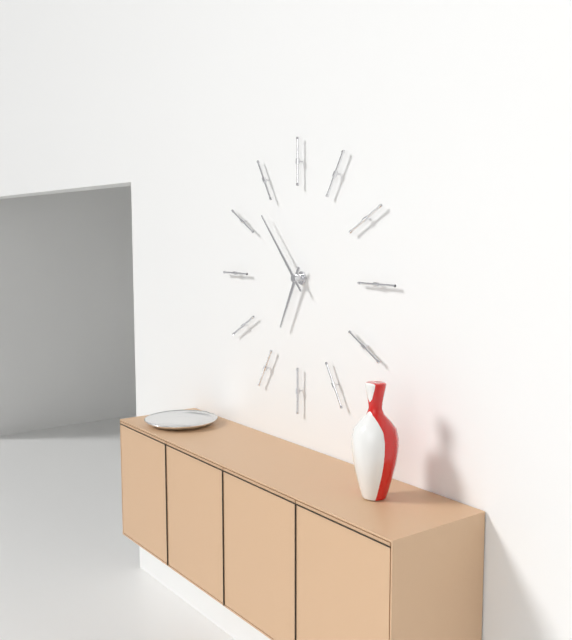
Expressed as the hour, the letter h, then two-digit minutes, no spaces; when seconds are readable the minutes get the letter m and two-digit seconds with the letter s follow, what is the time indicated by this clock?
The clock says 6h53
